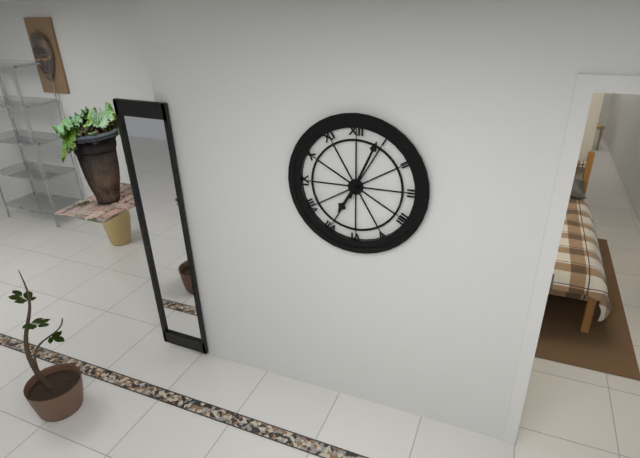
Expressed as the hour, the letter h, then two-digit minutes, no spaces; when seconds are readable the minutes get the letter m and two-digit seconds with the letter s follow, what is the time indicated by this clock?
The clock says 7h04
